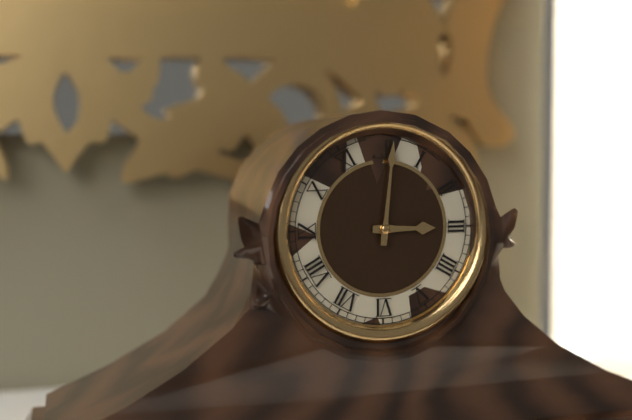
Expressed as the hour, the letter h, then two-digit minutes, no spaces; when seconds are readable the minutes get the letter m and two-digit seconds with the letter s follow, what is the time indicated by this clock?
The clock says 3h01
